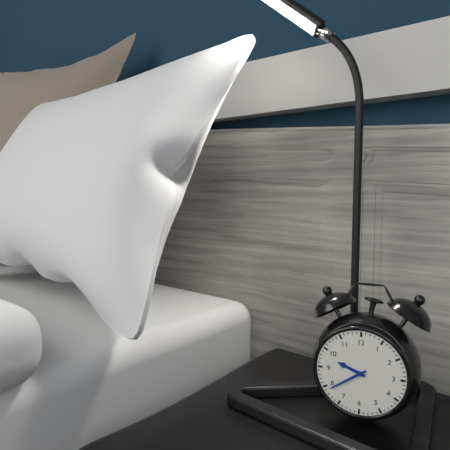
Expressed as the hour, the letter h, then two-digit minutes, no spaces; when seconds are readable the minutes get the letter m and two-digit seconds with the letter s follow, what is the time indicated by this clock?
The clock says 9h39
